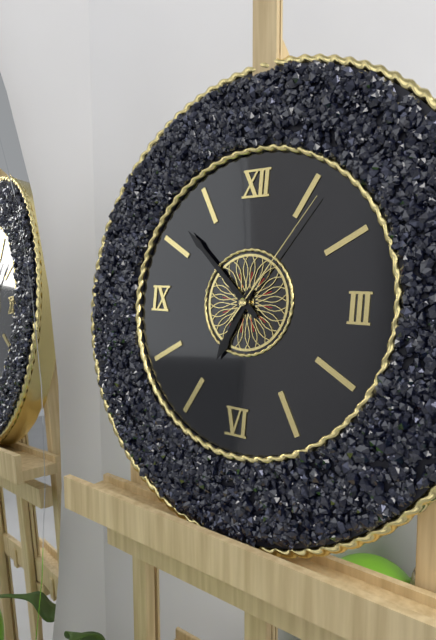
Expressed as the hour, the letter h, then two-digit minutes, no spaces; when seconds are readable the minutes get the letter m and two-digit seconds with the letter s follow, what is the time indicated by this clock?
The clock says 6h52m06s
